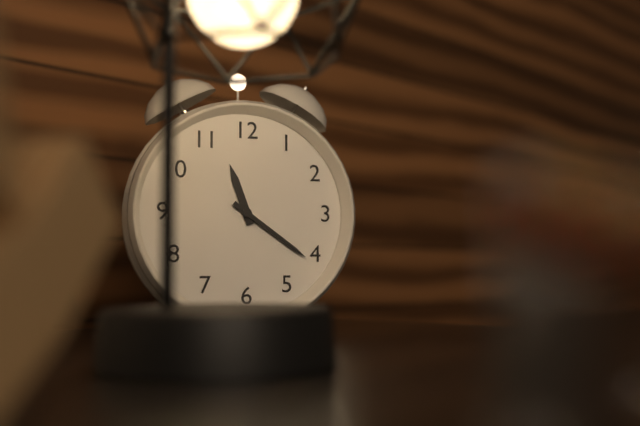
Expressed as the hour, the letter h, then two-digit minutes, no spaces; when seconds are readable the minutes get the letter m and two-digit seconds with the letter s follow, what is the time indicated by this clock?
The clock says 11h21
